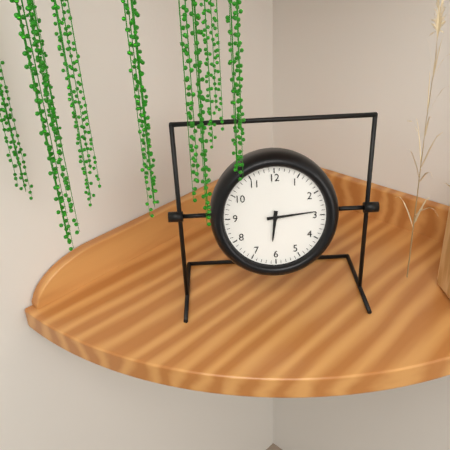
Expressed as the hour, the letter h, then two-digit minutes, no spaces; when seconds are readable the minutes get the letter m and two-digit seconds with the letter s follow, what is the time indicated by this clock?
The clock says 6h14
